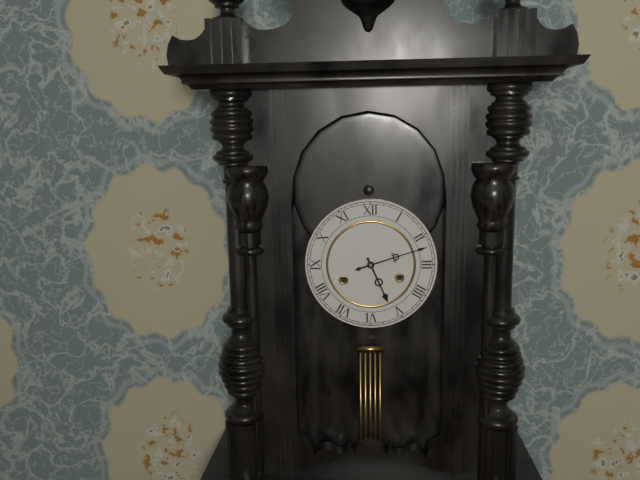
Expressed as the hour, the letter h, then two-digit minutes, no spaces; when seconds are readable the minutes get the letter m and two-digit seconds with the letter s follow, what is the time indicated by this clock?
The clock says 5h12
